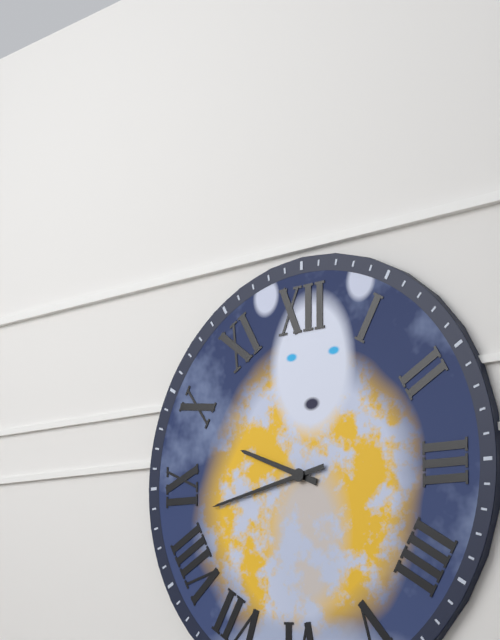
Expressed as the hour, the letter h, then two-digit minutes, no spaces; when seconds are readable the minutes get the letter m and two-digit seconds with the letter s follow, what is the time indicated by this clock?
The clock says 9h43
